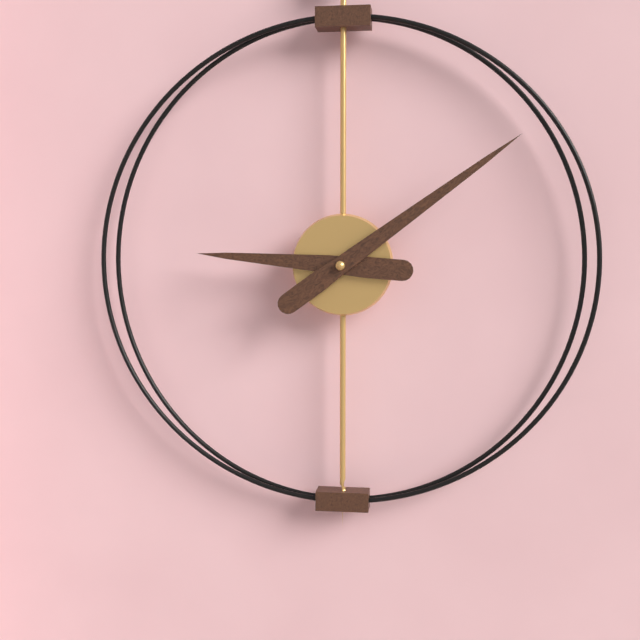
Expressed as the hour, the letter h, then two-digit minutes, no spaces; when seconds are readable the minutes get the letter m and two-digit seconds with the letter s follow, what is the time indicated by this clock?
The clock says 9h09
